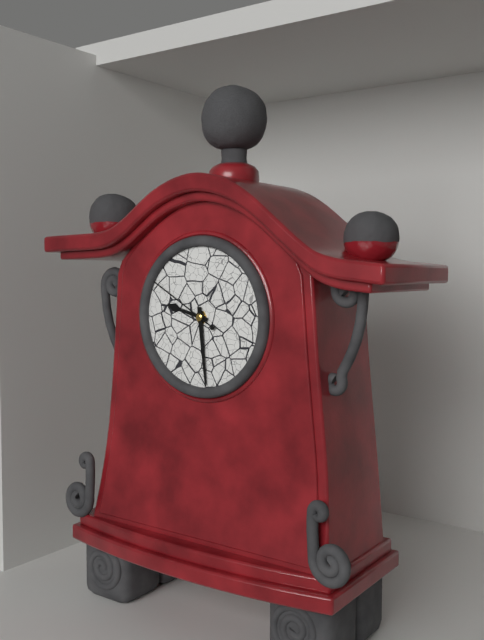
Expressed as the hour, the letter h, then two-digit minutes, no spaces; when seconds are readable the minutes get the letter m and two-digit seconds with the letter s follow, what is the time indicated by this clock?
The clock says 9h29m50s
